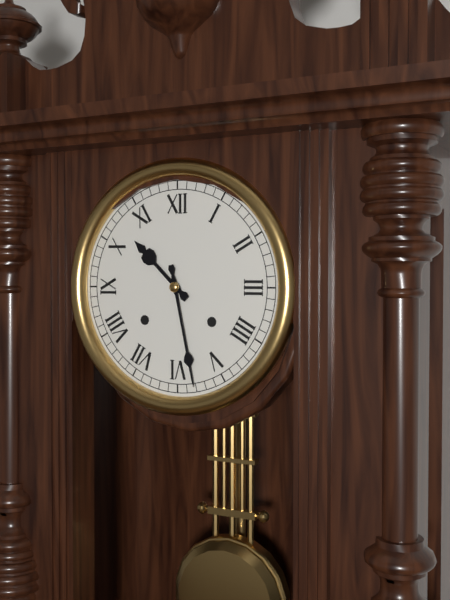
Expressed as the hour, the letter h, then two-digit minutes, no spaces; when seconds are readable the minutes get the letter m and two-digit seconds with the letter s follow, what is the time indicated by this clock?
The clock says 10h28
